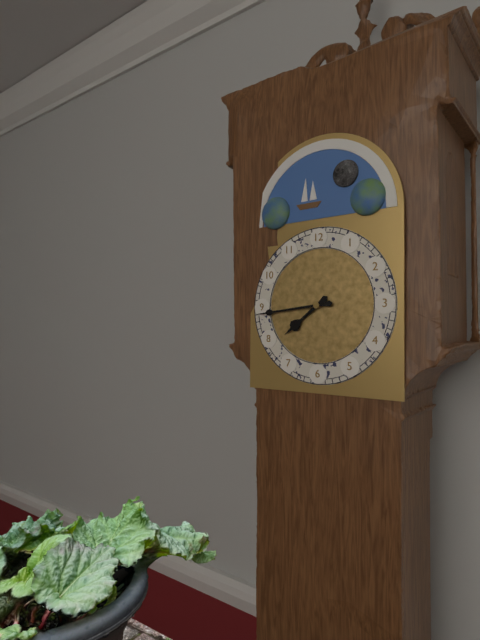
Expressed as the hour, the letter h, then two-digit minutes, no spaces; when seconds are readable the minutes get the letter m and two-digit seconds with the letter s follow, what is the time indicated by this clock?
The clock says 7h44
